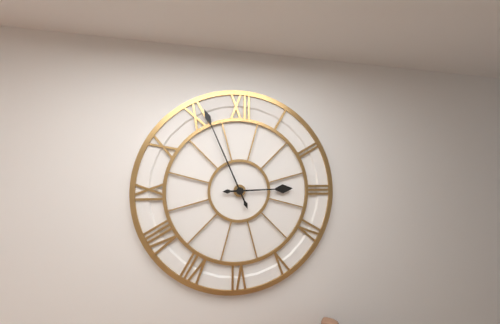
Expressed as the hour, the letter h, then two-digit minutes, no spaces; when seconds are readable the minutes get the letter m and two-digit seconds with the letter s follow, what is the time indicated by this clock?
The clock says 2h56
